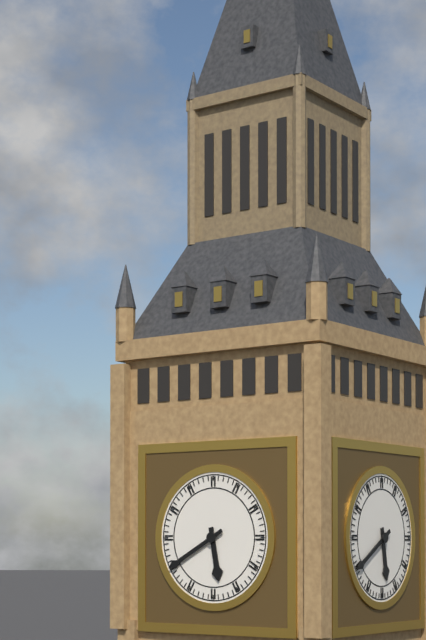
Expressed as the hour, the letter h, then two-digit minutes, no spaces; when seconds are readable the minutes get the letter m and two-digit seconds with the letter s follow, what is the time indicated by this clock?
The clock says 5h40
